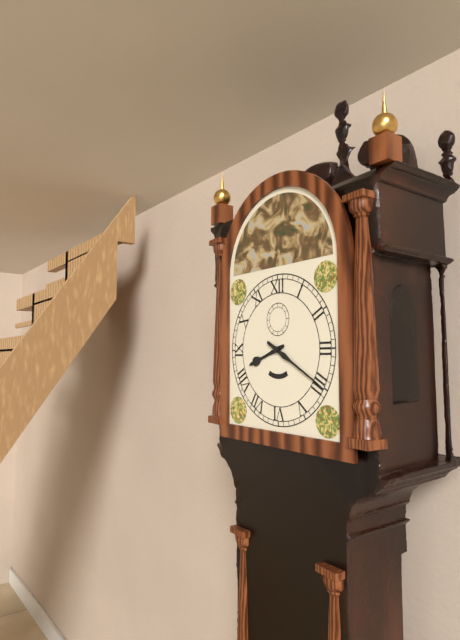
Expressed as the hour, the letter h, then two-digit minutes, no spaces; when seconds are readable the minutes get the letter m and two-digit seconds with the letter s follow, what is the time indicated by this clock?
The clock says 8h20
